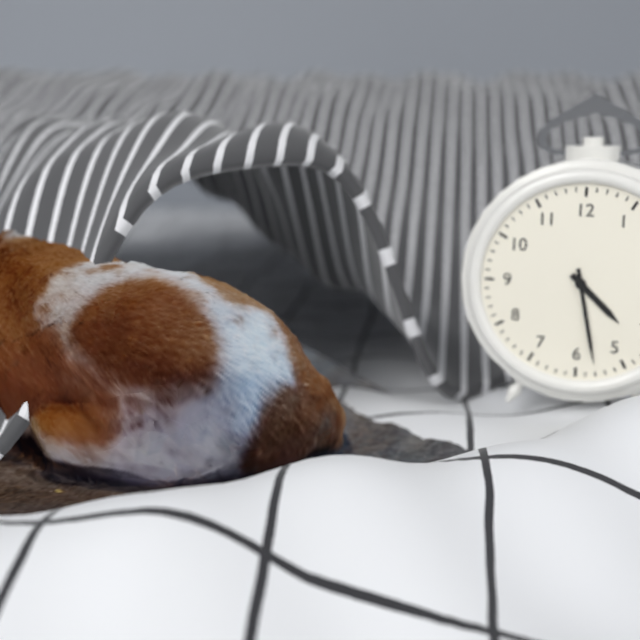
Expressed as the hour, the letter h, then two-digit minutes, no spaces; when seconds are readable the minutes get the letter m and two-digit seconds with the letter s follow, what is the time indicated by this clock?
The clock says 4h28
